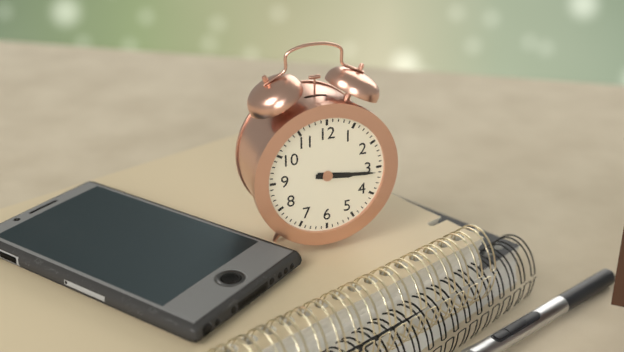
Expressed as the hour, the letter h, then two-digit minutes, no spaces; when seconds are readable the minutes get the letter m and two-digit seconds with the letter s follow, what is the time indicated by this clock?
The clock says 3h16
